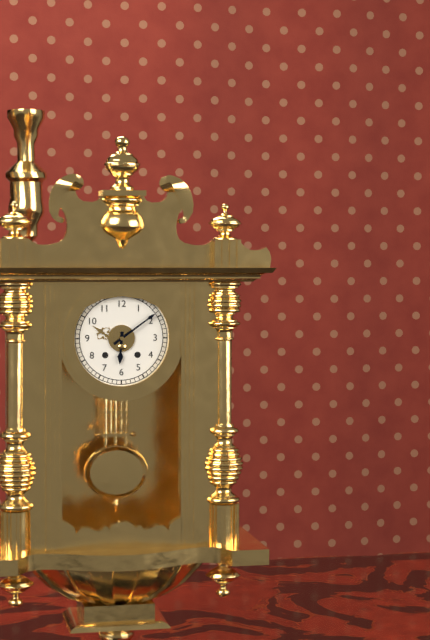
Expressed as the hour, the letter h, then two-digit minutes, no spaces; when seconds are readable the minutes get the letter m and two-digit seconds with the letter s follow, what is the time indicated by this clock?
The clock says 6h09
